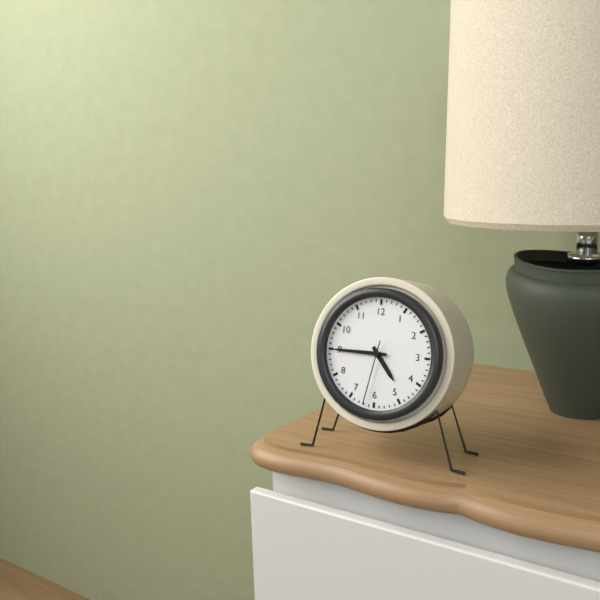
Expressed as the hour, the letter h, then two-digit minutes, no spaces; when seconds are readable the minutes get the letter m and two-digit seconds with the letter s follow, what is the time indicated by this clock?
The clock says 4h45m32s
